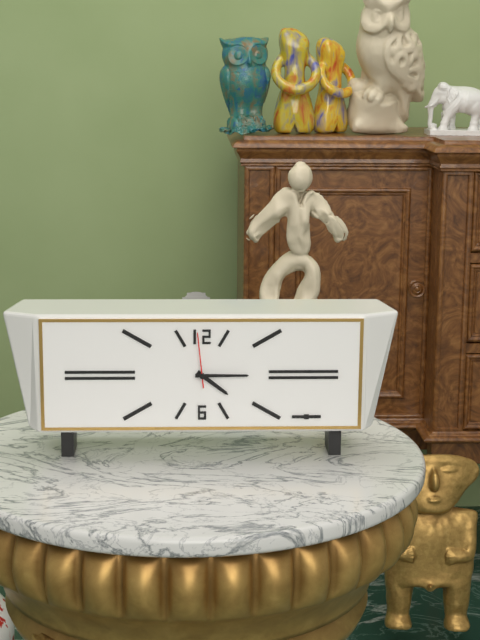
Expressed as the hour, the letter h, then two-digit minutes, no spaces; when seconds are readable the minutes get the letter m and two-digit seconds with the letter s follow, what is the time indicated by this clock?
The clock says 4h15m59s
